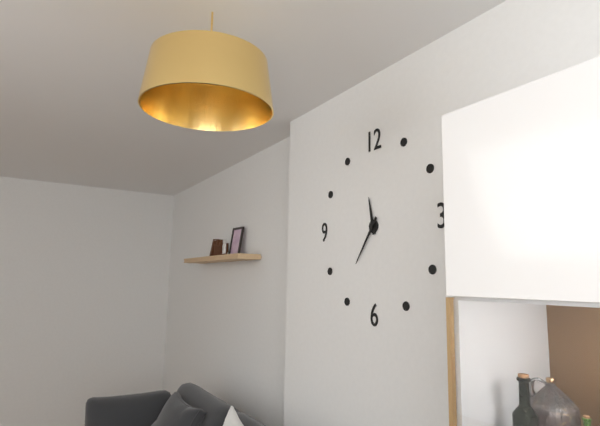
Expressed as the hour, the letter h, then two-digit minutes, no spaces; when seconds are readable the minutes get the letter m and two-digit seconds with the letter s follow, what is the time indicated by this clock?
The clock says 11h36
